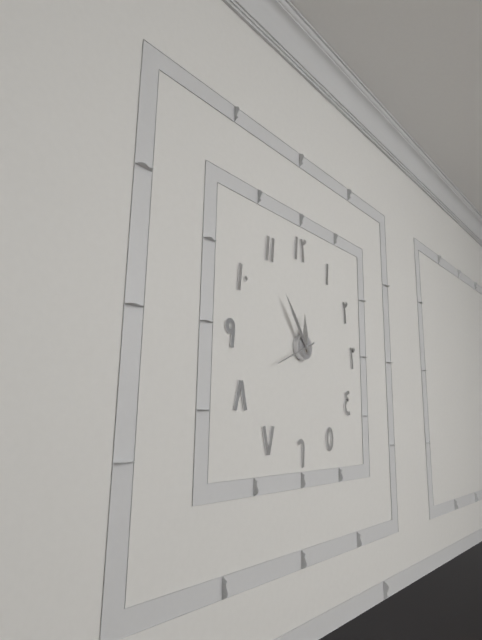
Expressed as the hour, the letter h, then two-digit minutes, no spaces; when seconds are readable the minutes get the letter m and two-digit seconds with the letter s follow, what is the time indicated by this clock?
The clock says 11h54
